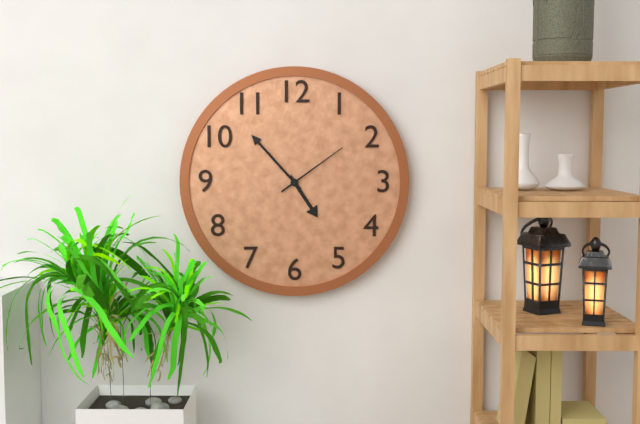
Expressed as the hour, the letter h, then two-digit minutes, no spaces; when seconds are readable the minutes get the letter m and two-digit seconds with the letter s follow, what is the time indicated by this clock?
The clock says 4h53m09s
